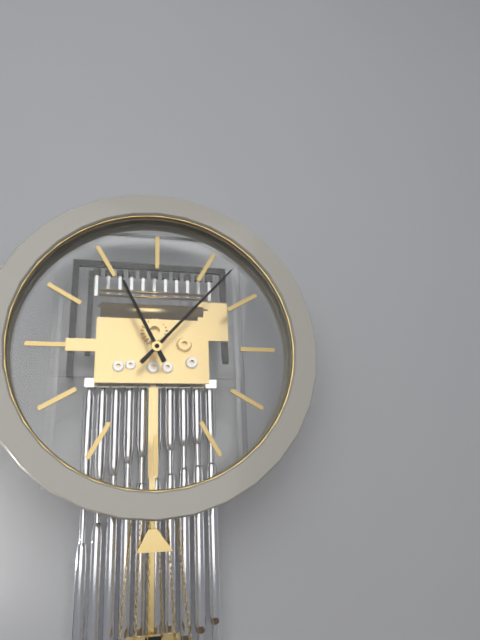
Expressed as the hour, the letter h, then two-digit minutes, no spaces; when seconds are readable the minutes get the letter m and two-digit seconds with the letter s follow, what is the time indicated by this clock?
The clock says 11h07
